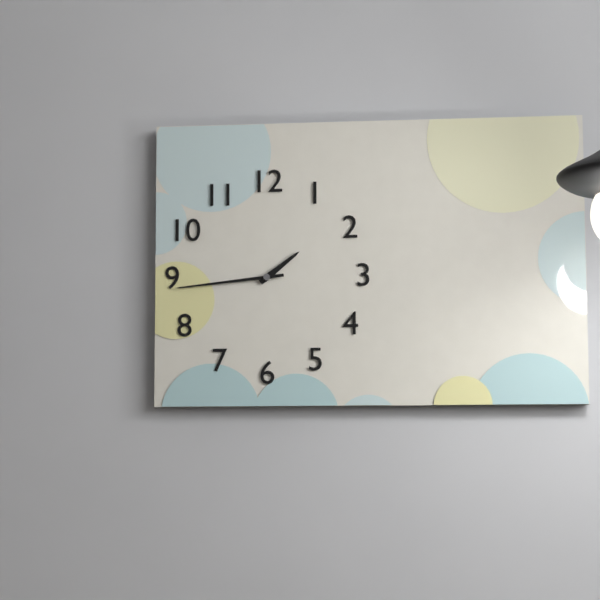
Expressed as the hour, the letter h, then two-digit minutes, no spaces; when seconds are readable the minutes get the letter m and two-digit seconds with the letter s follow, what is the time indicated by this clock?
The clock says 1h44
